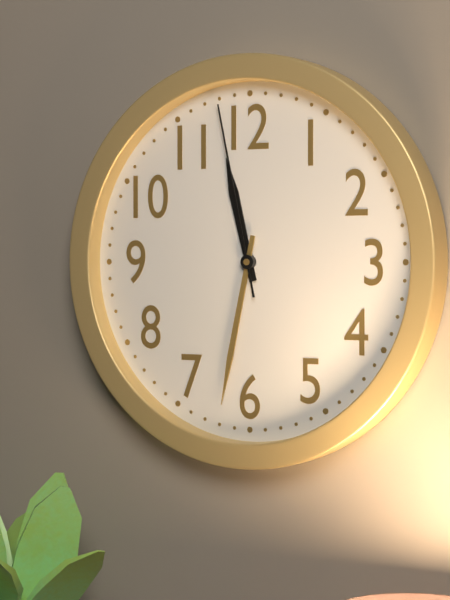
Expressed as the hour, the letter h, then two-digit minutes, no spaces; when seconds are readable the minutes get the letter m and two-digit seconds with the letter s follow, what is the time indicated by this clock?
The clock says 11h32m58s
